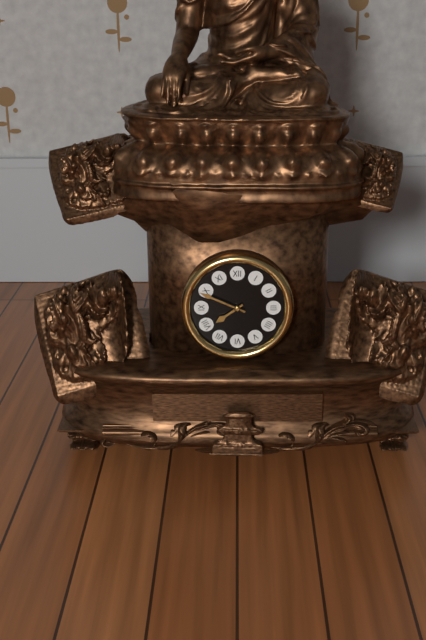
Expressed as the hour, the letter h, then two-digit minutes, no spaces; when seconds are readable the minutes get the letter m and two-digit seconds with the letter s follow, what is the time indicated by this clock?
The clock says 7h49
